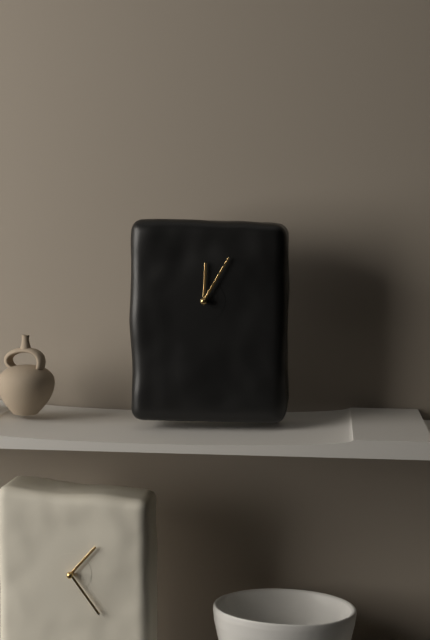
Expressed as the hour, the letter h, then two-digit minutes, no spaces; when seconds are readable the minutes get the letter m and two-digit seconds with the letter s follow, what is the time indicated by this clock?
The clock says 12h05
